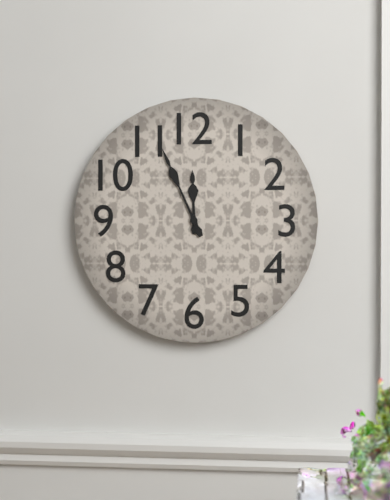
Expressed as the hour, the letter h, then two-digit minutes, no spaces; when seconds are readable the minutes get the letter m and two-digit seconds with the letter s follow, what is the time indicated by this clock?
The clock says 11h56
